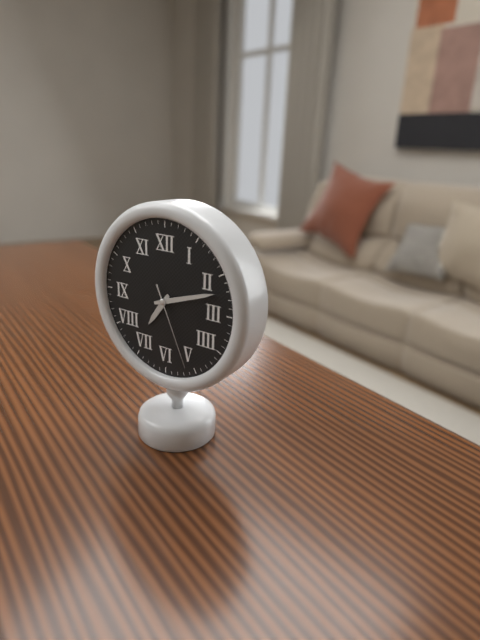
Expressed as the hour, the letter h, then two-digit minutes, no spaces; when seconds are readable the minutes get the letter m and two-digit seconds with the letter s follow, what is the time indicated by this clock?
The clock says 7h12m26s
